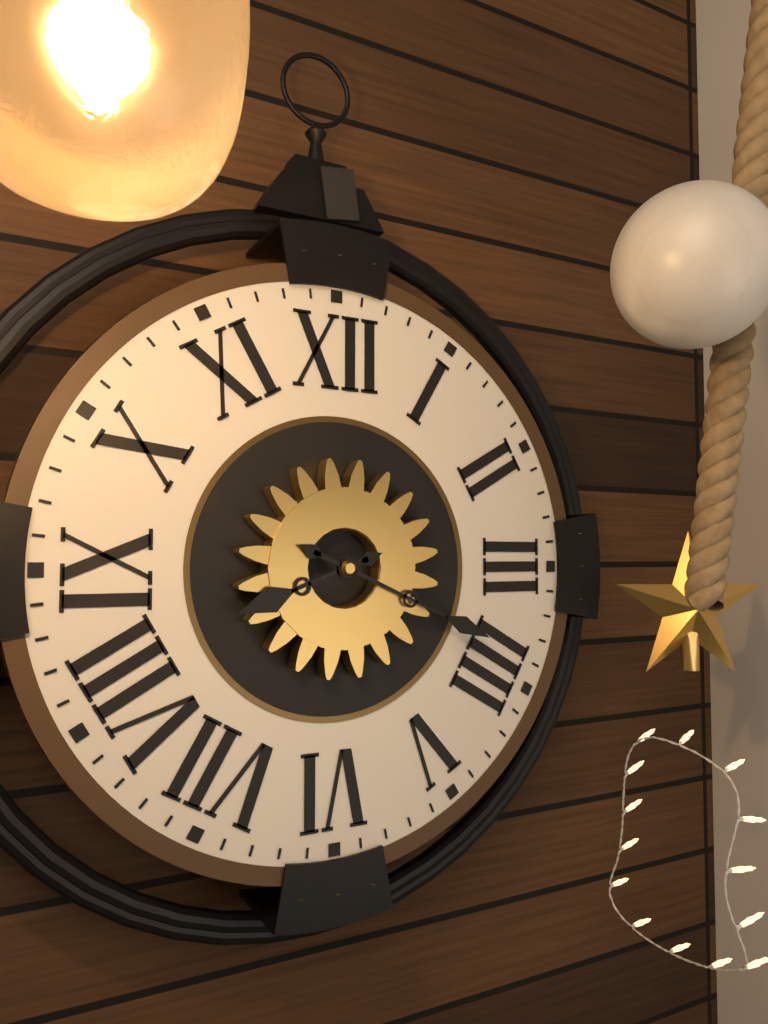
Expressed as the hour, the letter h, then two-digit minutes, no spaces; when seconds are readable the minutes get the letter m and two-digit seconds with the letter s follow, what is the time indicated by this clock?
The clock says 8h19
